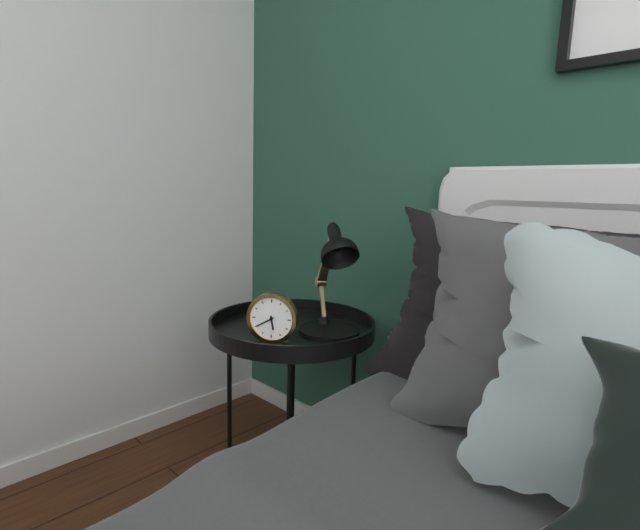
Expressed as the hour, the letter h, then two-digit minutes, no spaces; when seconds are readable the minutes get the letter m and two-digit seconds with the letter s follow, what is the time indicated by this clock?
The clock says 5h40
